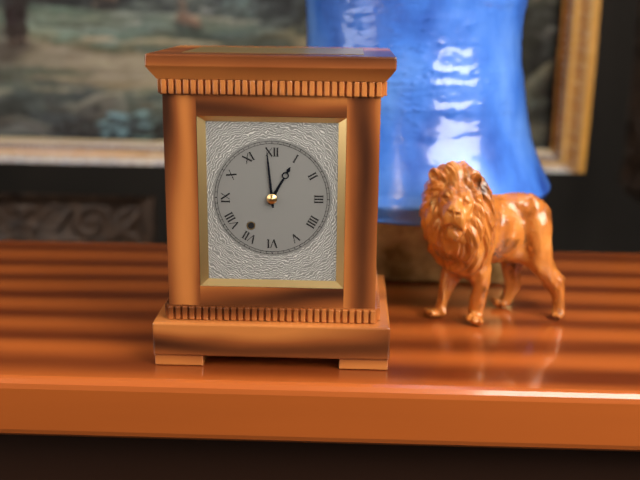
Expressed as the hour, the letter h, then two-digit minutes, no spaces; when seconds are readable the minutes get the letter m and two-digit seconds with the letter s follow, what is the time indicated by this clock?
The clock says 12h59
